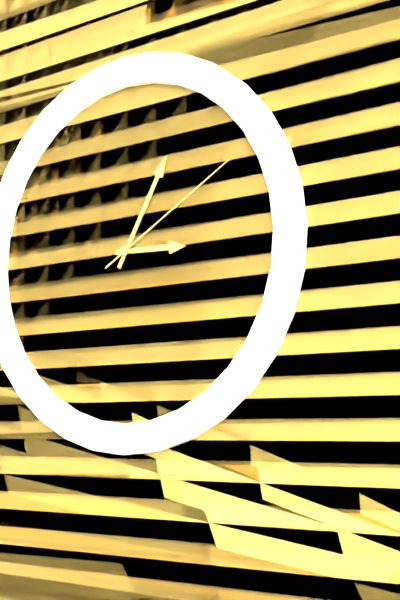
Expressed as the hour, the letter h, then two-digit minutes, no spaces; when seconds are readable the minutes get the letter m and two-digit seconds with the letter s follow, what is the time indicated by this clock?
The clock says 3h05m10s
